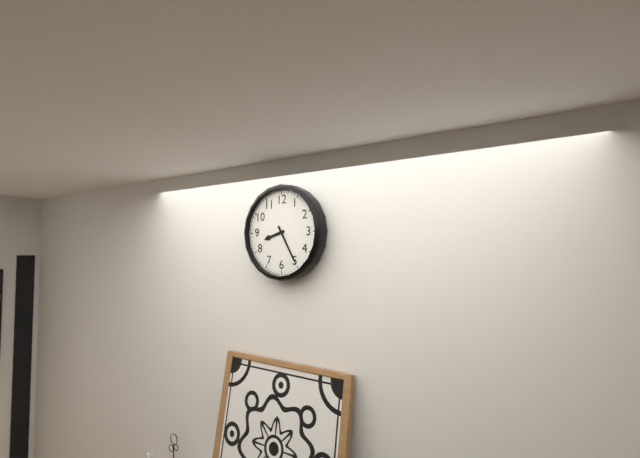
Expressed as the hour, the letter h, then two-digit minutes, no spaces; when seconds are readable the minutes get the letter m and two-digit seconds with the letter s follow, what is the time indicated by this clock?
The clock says 8h25
